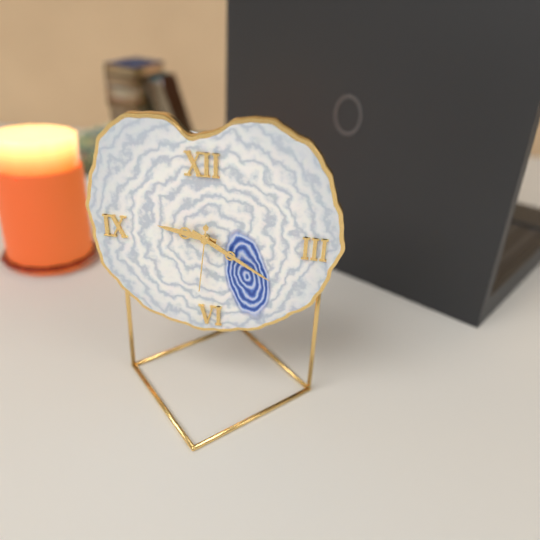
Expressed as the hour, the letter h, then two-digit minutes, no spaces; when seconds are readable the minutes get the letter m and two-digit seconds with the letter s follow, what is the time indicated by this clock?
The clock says 9h20m31s
